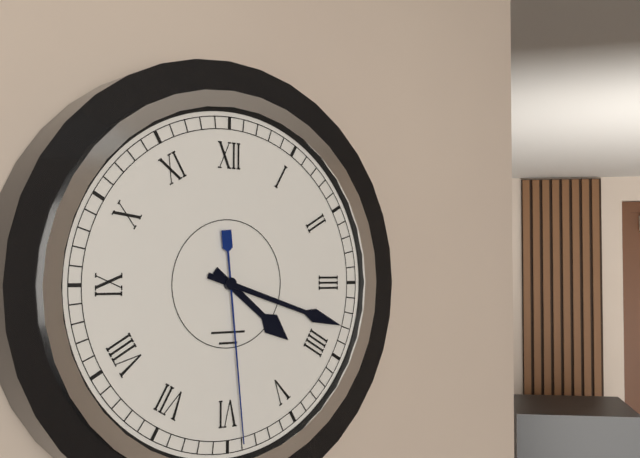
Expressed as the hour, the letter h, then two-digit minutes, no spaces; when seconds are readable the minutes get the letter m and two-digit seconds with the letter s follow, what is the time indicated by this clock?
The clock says 4h18m29s
